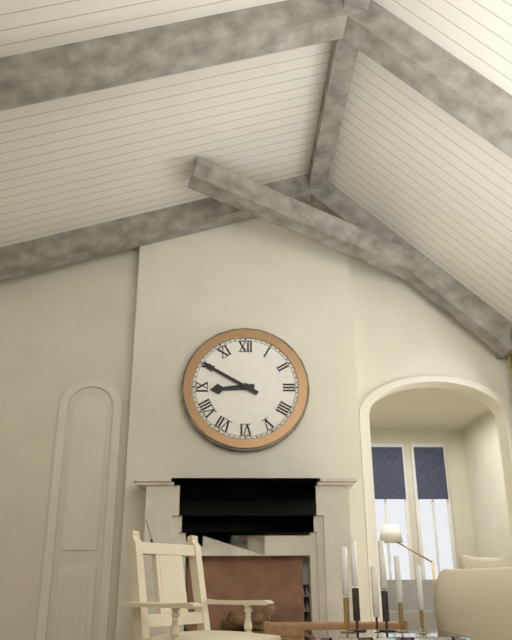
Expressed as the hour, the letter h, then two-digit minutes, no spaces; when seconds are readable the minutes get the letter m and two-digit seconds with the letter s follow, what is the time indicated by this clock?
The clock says 8h50
